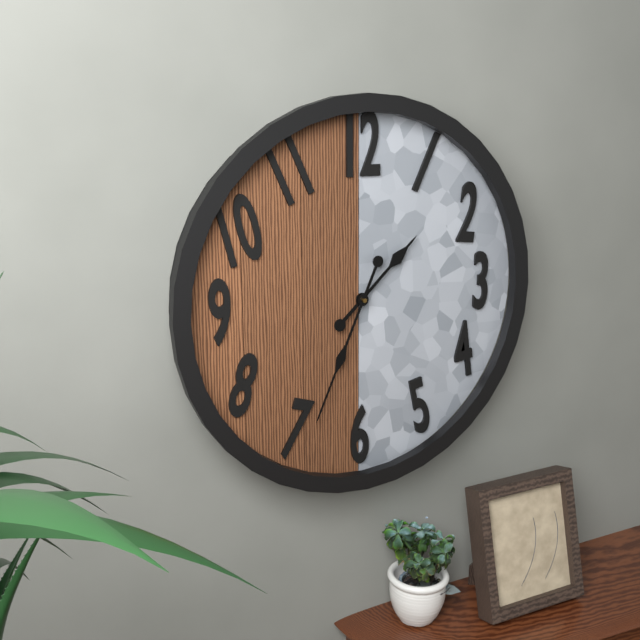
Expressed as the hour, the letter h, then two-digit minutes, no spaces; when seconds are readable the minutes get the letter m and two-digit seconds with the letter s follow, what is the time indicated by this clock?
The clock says 1h34
